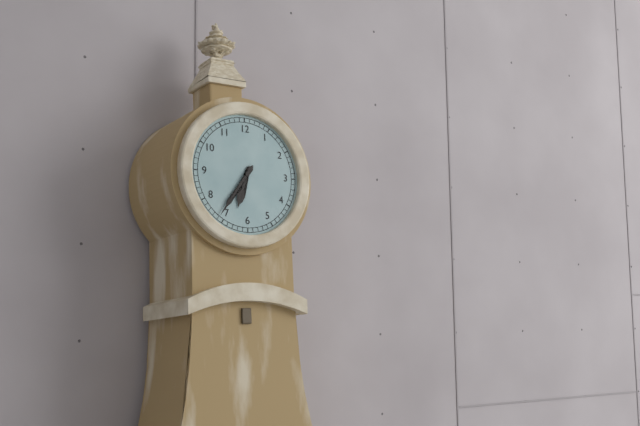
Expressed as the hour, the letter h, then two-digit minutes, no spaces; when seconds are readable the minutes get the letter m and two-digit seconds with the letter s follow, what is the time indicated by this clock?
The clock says 6h36
